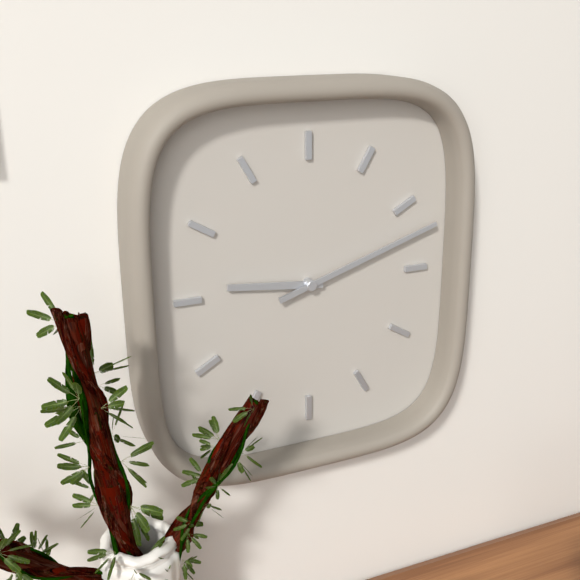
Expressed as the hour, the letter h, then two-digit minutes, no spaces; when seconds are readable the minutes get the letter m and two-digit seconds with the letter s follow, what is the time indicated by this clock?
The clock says 9h12
